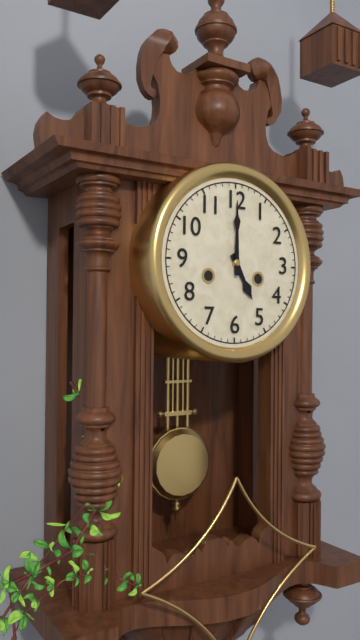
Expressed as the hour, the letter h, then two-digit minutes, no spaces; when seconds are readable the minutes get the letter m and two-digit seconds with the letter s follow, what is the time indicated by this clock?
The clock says 5h00
